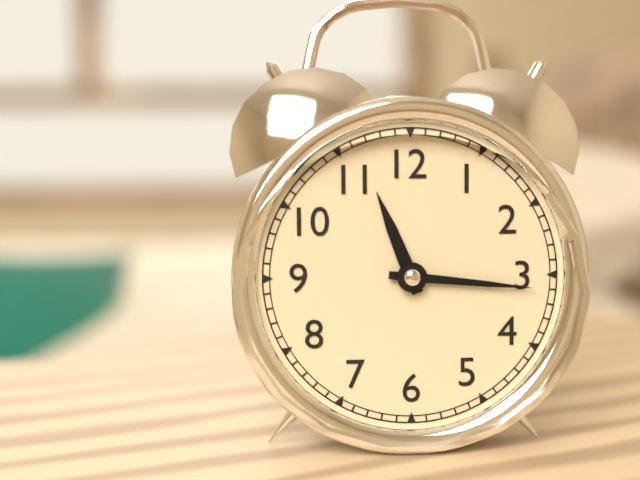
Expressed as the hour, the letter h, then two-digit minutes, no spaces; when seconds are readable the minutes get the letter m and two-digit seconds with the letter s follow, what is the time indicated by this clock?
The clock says 11h16
